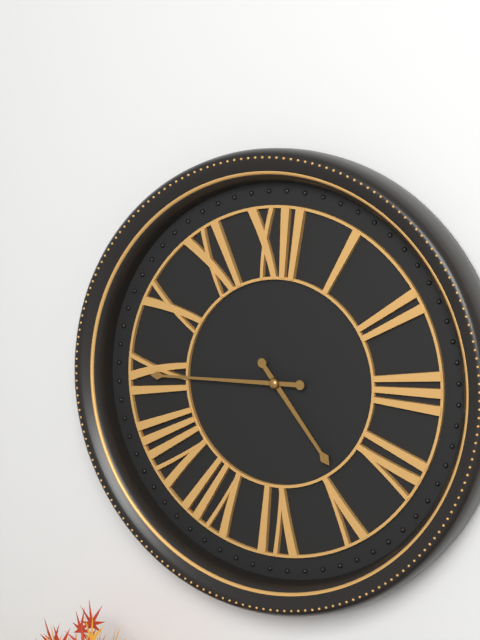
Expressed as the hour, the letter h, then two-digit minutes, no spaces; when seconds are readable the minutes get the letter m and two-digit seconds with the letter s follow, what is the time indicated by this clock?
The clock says 4h45
